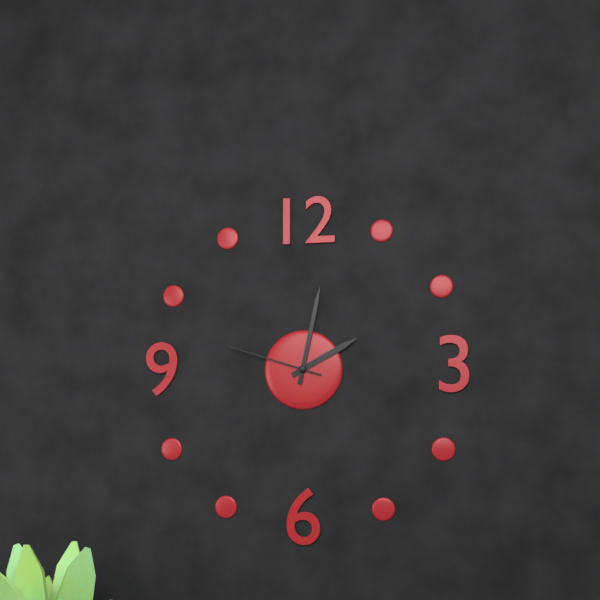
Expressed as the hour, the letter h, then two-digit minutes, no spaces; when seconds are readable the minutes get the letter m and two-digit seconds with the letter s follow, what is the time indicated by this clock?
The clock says 2h02m48s
